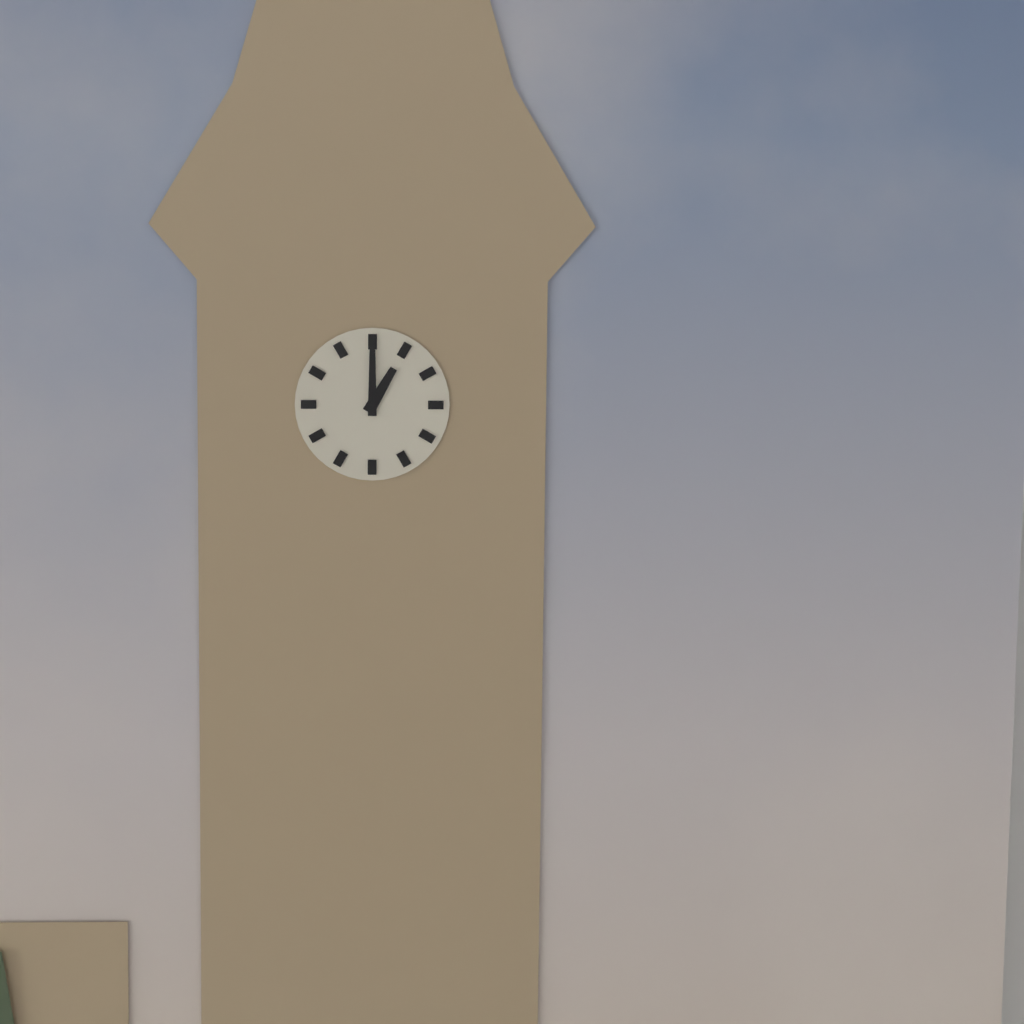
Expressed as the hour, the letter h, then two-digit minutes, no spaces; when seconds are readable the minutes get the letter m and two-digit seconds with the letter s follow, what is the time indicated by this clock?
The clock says 1h00
